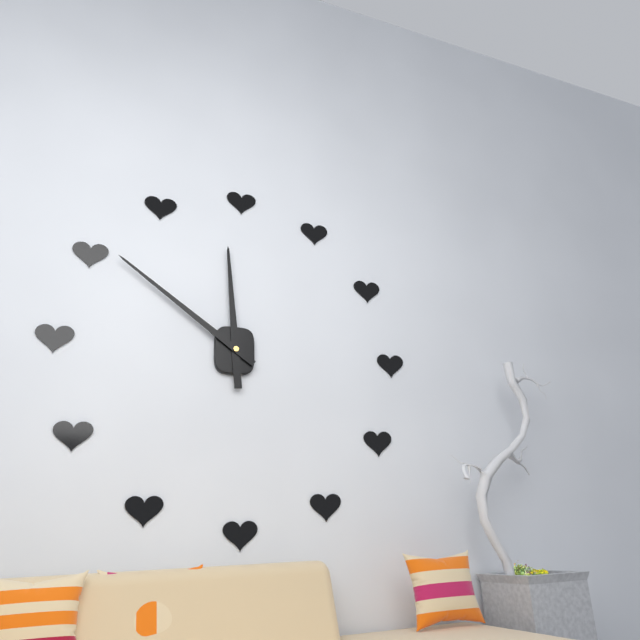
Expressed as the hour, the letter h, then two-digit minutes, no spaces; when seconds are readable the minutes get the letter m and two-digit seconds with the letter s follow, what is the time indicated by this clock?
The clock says 11h51
